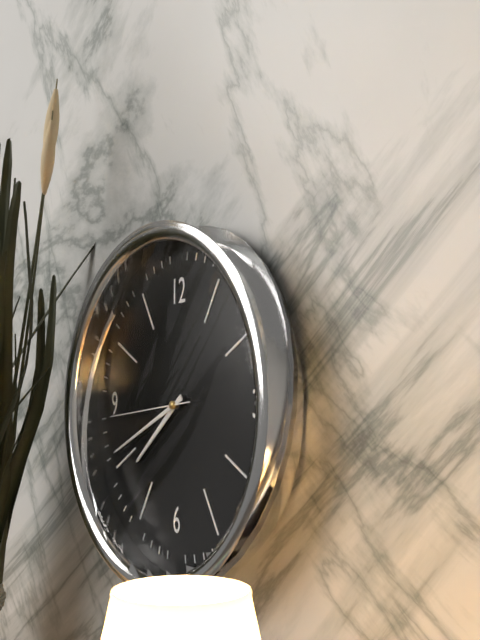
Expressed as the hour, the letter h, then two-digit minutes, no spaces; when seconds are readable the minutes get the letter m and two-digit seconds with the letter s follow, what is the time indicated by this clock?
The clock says 7h41m44s
